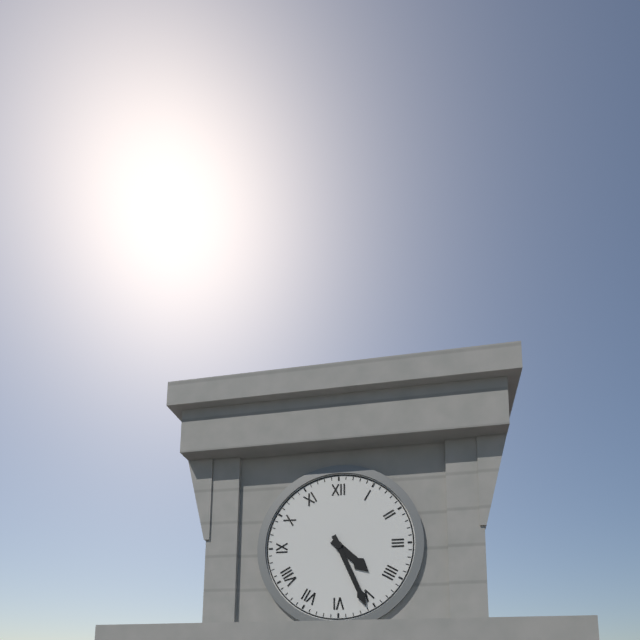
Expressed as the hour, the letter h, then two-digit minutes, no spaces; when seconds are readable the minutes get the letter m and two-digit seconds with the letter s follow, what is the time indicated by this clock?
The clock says 4h26
